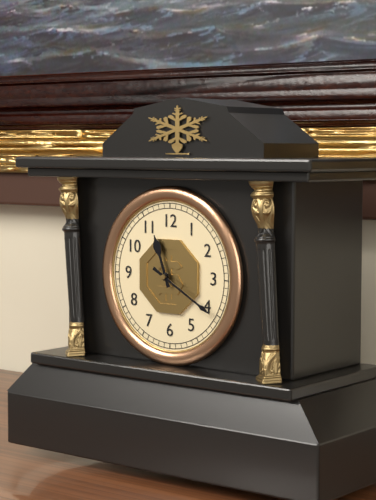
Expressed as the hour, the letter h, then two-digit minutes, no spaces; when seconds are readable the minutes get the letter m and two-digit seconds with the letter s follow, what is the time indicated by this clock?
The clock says 11h20
